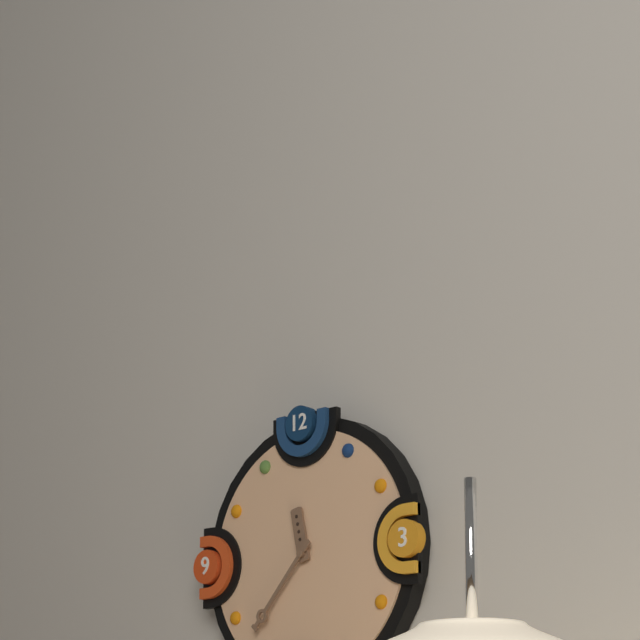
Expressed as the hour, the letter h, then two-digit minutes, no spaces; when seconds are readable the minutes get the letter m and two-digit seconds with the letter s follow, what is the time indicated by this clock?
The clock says 11h37
